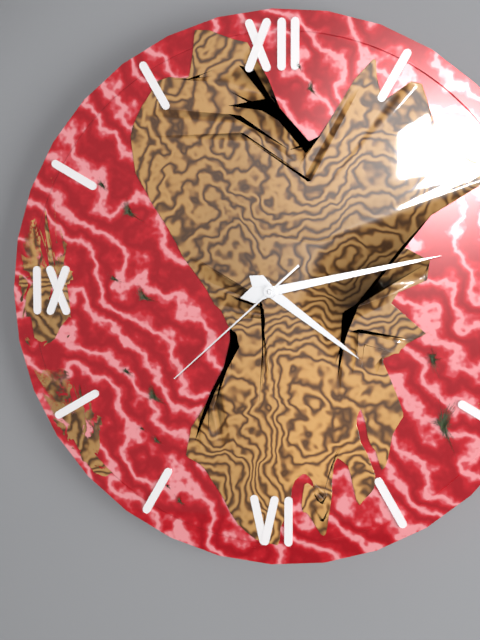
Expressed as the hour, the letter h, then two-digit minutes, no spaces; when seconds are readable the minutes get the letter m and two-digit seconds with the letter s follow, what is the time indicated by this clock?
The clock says 4h13m38s
